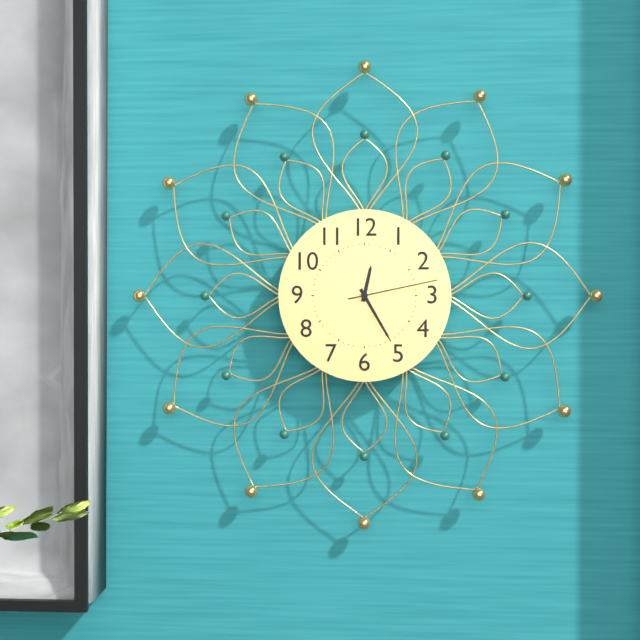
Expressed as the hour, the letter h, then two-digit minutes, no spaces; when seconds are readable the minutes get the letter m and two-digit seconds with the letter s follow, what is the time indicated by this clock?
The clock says 12h25m13s
